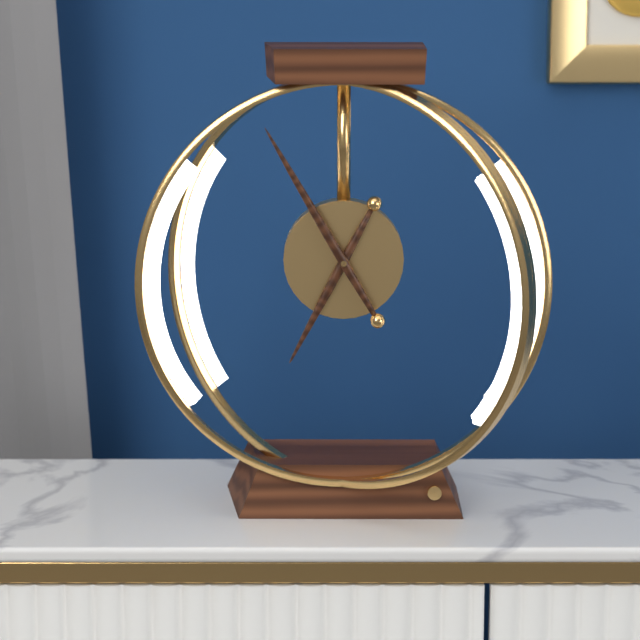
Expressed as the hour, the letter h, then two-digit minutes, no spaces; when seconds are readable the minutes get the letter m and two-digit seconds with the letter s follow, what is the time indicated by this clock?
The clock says 6h55
